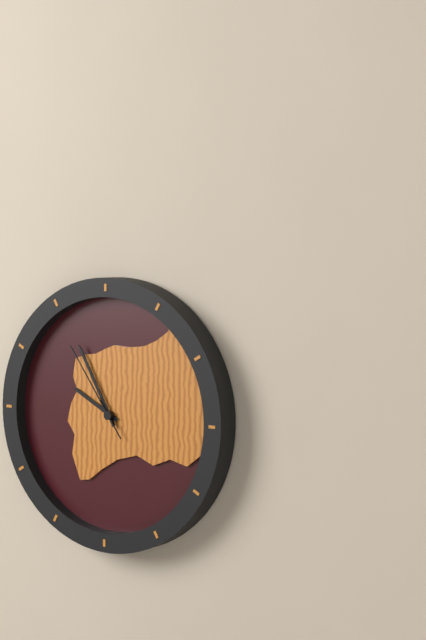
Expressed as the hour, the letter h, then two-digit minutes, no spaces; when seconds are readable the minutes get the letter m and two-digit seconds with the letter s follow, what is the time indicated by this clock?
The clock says 9h55m54s
